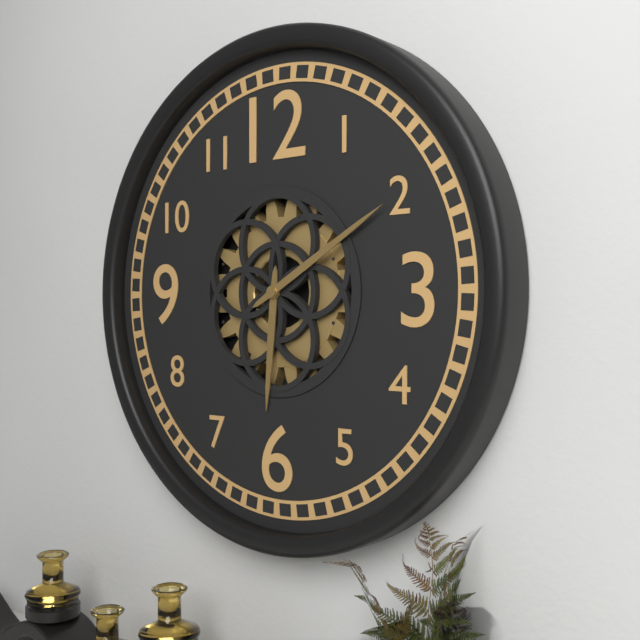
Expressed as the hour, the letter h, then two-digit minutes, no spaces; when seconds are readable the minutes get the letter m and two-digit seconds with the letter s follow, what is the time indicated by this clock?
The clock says 6h10
